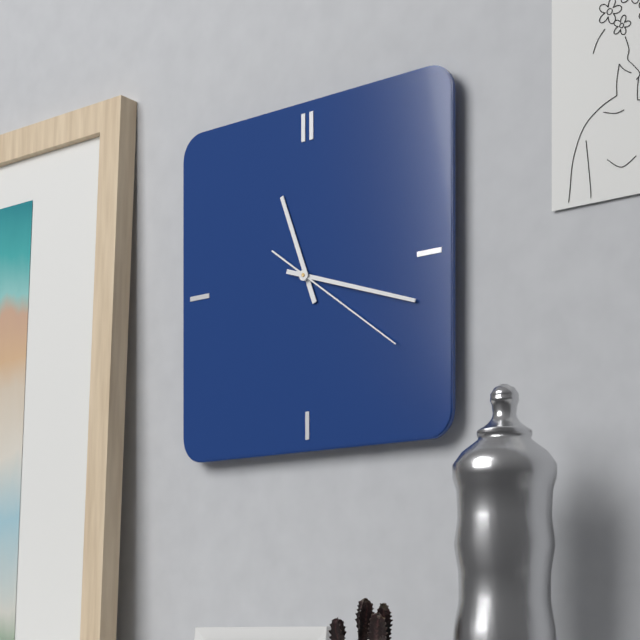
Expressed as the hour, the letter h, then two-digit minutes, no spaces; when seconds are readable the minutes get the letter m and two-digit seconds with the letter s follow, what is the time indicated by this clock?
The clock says 11h18m21s
